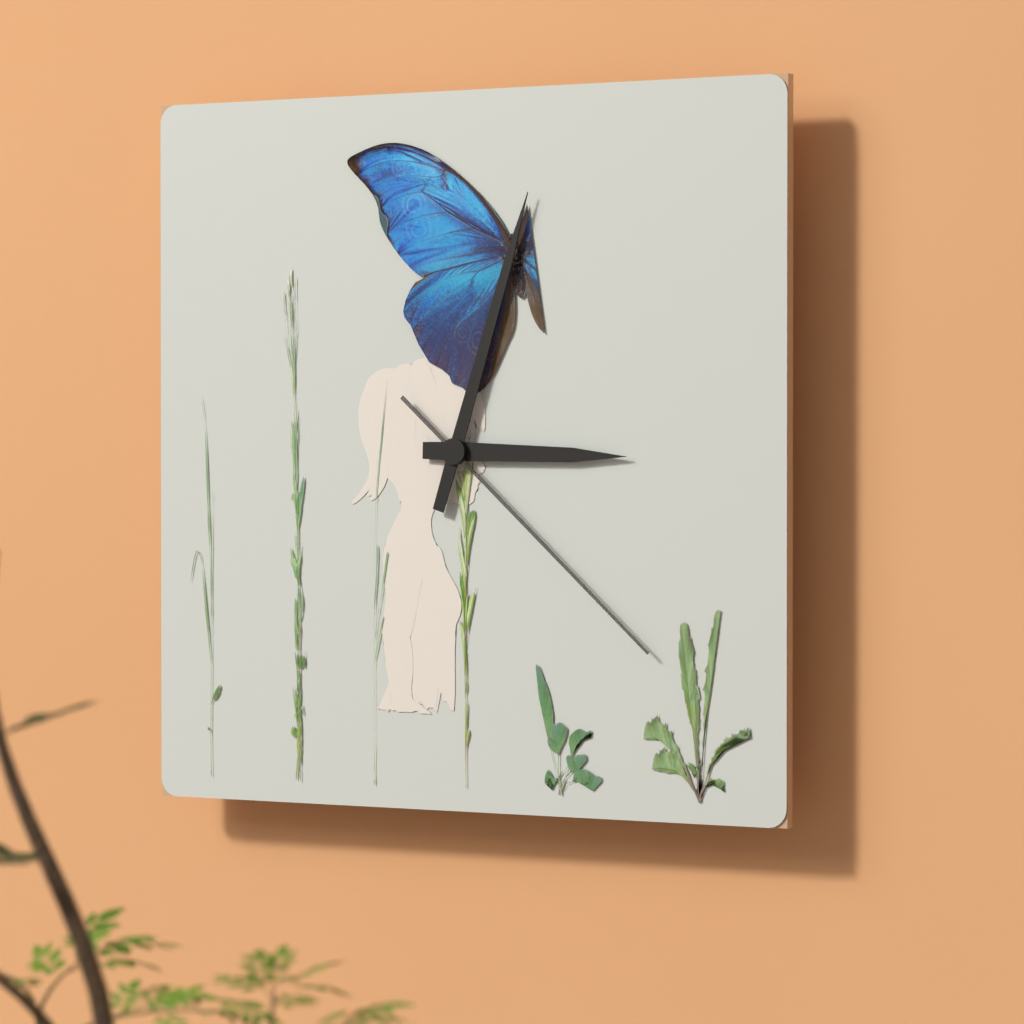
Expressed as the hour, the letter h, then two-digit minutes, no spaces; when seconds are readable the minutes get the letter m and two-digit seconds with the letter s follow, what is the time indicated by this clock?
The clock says 3h03m22s
